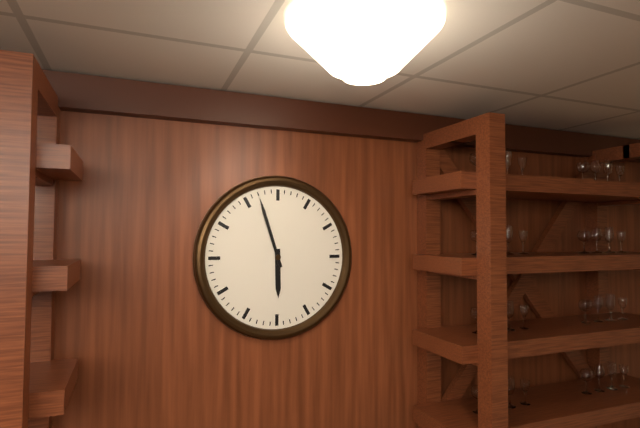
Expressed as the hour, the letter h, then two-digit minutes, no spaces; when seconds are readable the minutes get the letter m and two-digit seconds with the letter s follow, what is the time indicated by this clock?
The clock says 5h57
